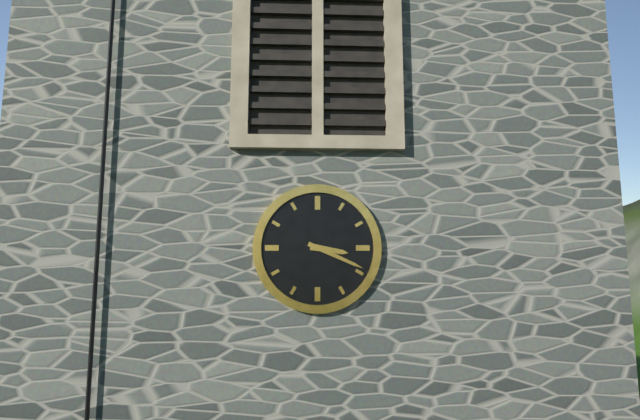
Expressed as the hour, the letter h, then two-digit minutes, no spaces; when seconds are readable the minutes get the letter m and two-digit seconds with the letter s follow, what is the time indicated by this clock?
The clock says 3h19
